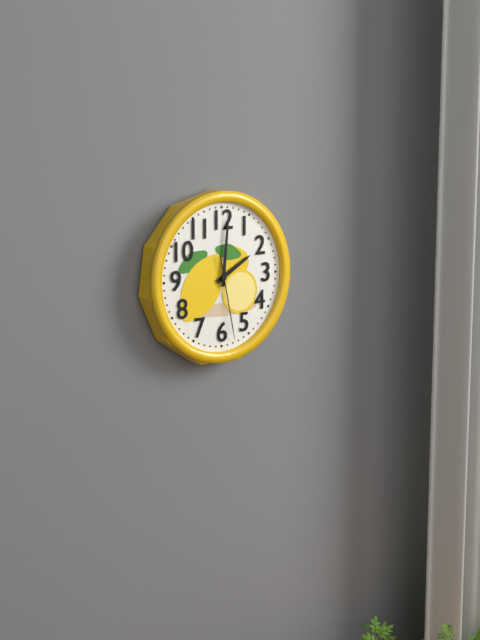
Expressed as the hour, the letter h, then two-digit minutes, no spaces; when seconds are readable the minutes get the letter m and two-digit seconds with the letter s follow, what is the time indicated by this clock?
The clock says 2h01m28s
